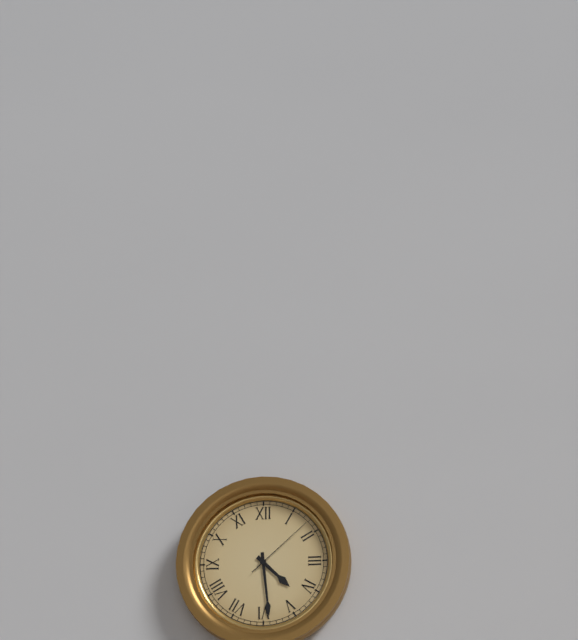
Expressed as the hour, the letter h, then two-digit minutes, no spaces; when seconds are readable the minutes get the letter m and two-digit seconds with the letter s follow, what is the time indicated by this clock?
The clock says 4h29m08s
